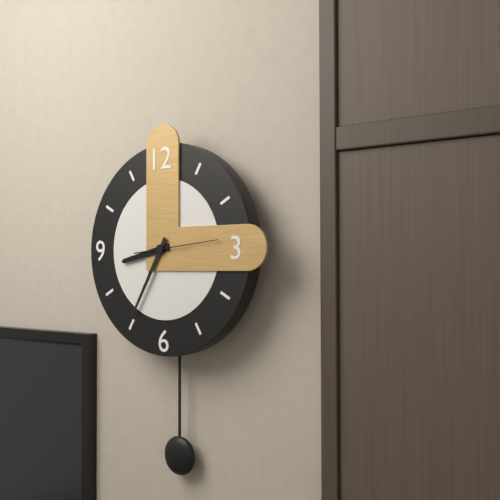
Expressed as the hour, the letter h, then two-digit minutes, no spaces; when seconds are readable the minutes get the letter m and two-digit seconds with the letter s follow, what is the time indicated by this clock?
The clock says 8h35
